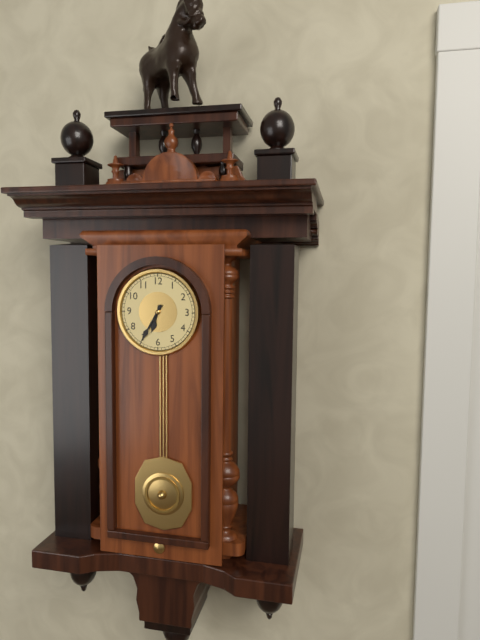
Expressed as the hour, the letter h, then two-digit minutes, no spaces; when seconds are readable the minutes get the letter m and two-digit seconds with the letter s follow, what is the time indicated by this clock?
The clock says 6h35
